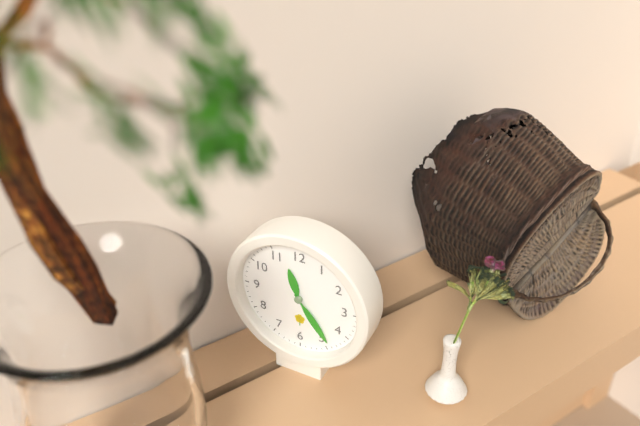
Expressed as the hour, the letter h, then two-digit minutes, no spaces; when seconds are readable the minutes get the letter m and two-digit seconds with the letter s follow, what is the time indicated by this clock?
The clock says 11h24
